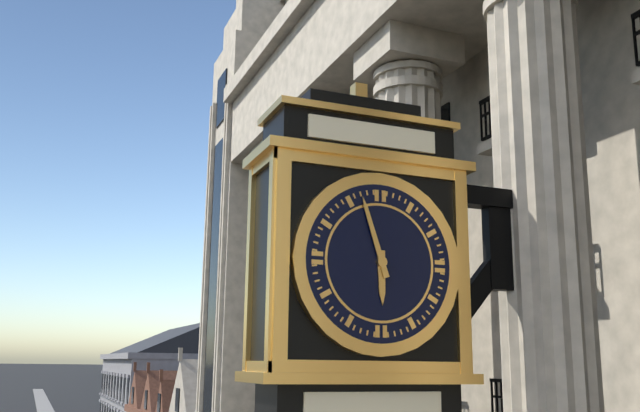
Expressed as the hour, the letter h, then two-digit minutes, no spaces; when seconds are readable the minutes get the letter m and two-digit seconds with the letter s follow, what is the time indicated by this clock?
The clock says 5h57
